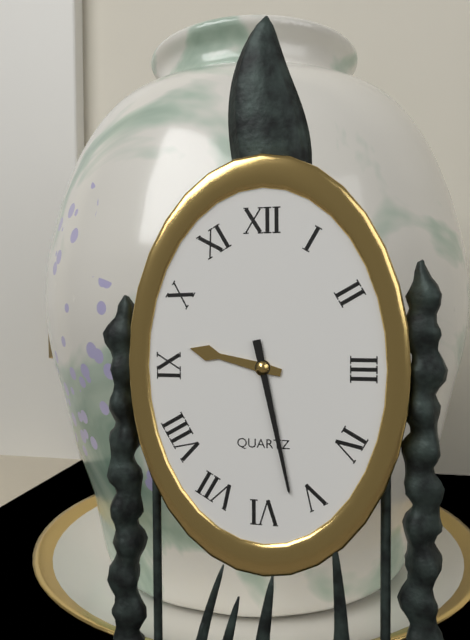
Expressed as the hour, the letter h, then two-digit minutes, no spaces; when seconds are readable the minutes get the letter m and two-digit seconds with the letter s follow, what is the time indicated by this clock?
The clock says 9h28
